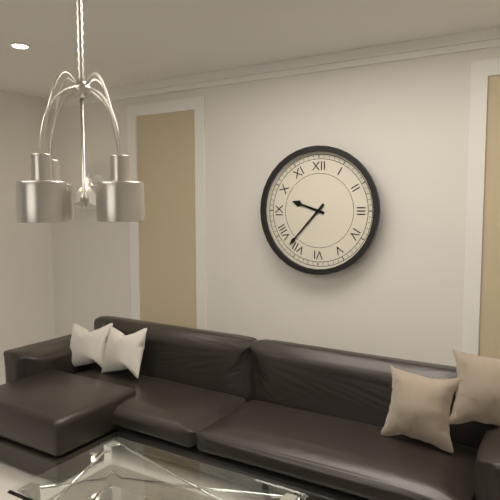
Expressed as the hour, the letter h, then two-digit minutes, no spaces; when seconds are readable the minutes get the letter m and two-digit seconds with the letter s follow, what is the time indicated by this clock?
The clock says 9h37
